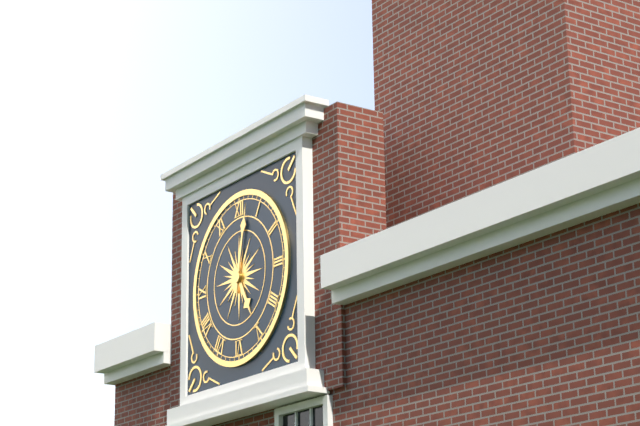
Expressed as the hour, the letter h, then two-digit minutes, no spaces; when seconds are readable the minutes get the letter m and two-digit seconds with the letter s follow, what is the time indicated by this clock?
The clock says 5h02
